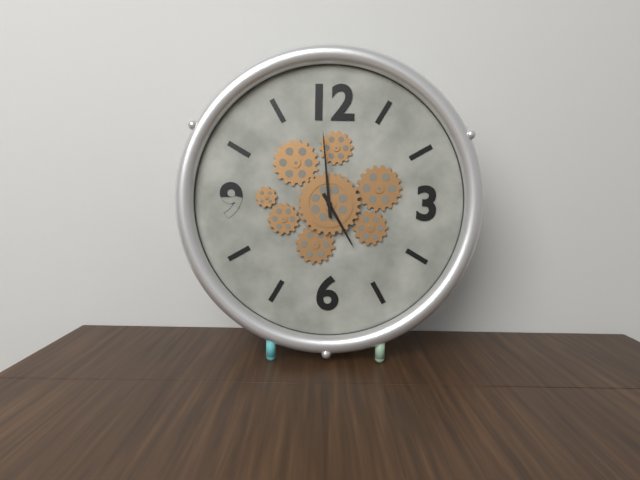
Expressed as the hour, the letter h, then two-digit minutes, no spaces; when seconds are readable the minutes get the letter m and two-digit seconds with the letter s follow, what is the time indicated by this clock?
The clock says 4h59
